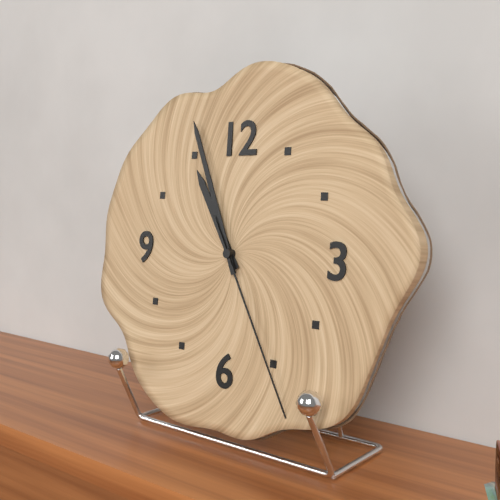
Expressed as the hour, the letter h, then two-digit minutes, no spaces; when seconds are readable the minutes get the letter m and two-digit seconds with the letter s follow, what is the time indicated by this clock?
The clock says 10h56m25s
